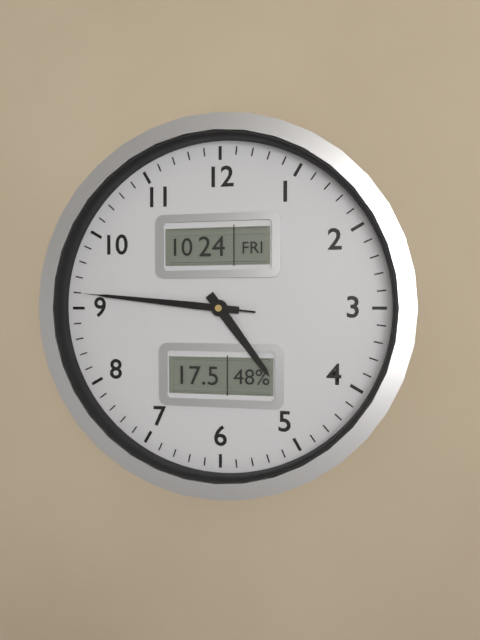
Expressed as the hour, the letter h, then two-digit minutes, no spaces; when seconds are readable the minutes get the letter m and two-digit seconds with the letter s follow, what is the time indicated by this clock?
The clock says 4h46m46s
